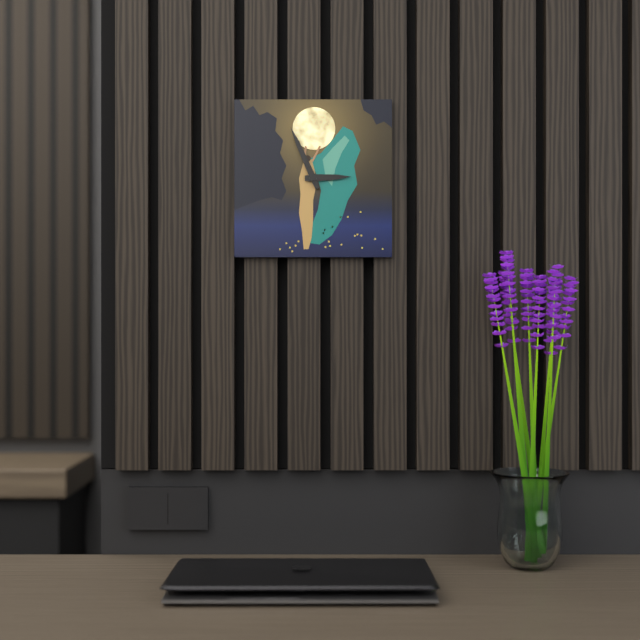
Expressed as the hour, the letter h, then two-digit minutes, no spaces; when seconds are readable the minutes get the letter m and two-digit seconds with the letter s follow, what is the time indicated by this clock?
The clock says 2h56
